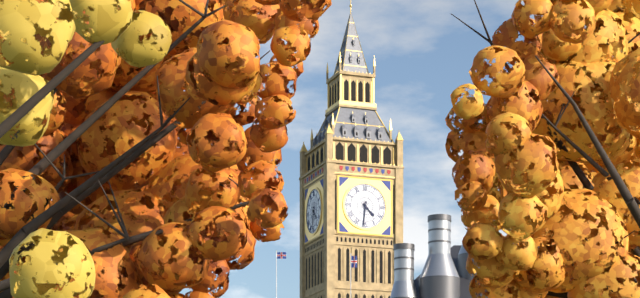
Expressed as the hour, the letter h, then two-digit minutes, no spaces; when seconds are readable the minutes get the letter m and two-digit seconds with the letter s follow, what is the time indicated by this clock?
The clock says 4h31
